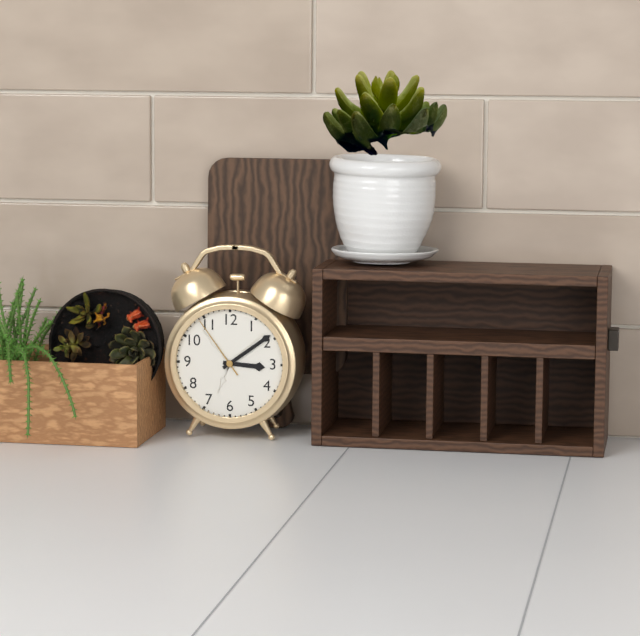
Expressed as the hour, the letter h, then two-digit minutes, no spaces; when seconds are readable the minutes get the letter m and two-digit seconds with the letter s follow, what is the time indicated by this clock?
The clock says 3h09m54s
